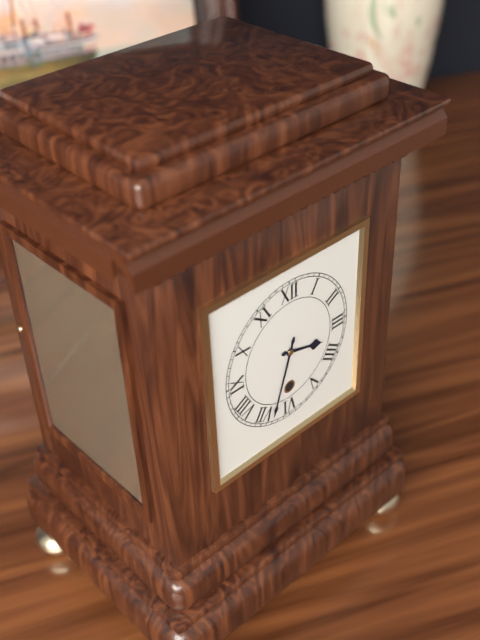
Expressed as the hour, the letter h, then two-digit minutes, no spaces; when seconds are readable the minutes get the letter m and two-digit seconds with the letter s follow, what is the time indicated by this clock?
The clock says 3h33
